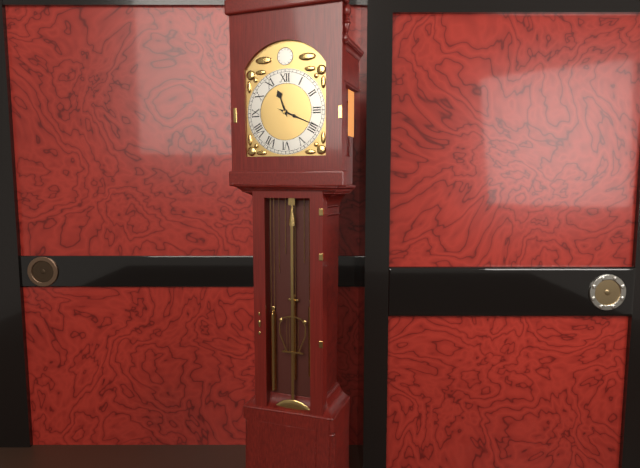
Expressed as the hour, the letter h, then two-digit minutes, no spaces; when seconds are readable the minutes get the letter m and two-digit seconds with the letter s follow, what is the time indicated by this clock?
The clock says 11h19
